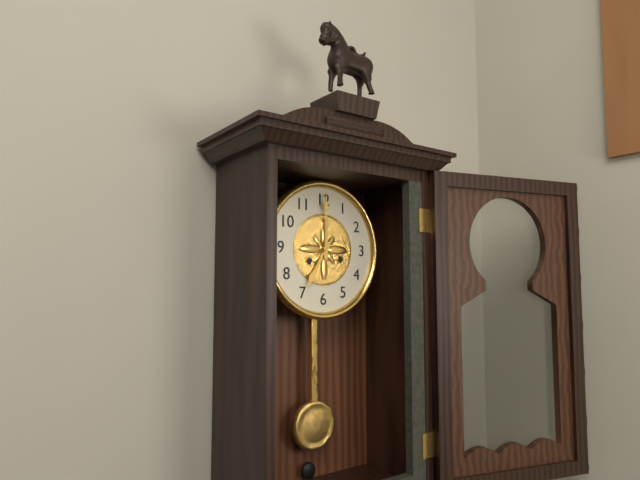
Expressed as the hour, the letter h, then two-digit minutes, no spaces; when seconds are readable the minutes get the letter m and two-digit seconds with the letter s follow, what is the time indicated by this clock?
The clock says 7h00
